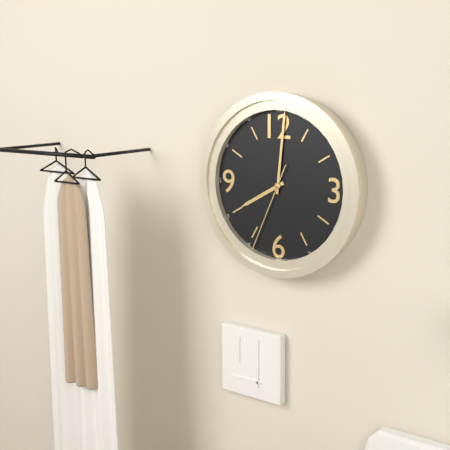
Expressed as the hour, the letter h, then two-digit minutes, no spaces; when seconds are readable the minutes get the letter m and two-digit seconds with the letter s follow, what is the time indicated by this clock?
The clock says 8h01m34s
